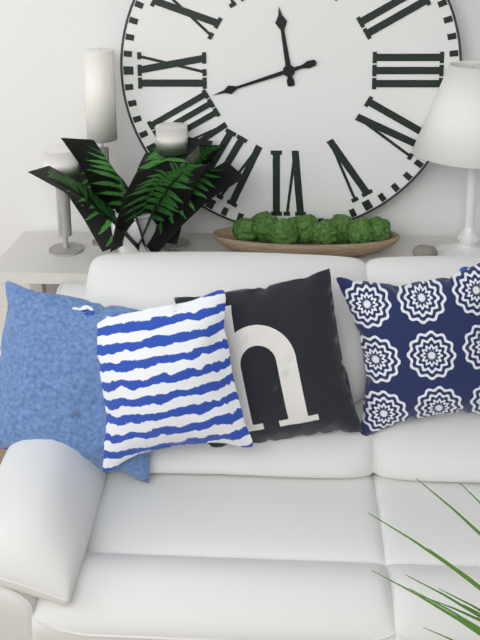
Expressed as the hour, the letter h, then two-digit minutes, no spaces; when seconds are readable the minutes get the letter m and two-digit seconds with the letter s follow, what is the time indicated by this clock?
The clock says 11h42
